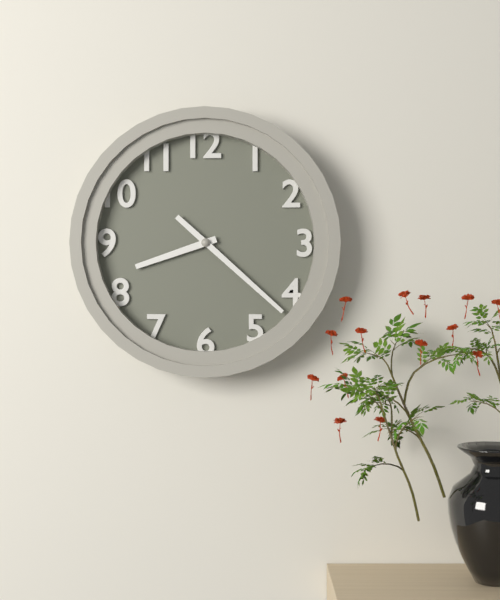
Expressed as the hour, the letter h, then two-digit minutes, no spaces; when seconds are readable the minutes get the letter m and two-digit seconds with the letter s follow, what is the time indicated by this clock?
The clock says 8h22
